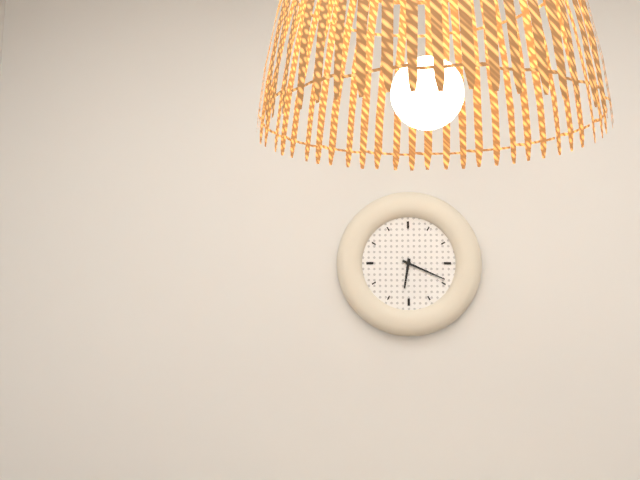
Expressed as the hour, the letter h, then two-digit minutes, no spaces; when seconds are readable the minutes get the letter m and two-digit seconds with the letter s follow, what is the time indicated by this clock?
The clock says 6h19
